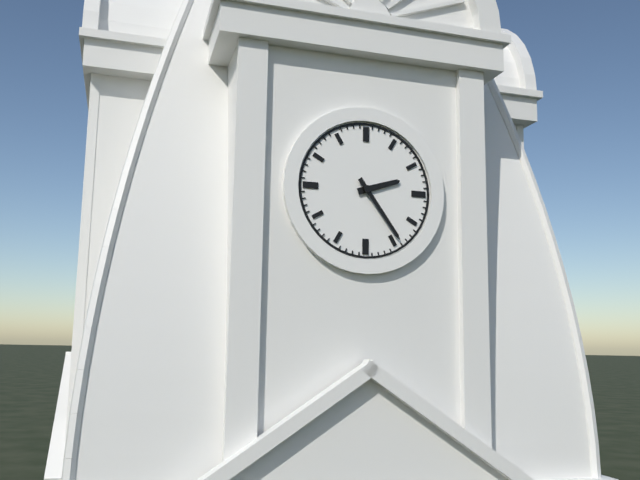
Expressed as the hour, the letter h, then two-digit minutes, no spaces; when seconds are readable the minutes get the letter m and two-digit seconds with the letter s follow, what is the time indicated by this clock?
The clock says 2h24
